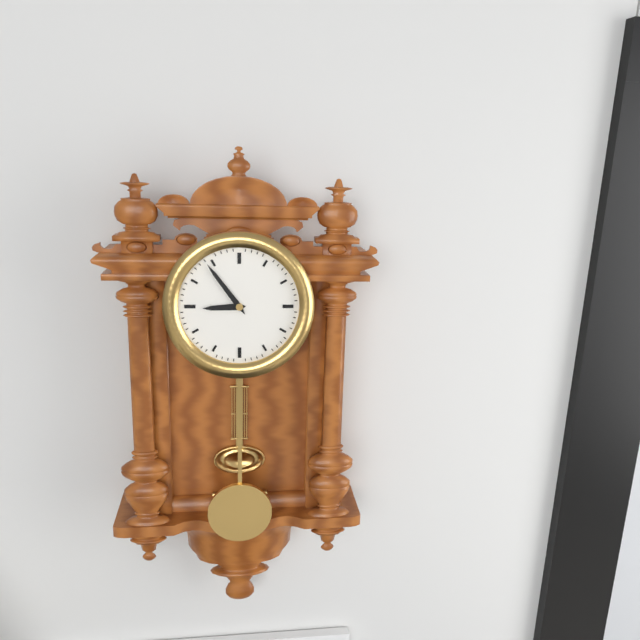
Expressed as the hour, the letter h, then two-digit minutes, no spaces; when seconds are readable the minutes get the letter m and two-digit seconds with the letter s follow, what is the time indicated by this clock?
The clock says 8h54
